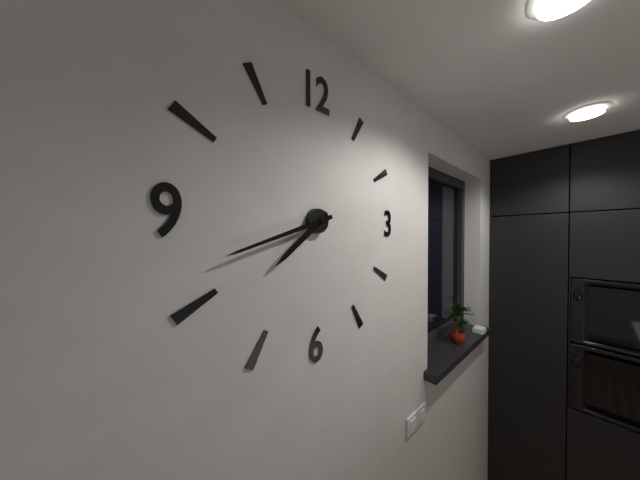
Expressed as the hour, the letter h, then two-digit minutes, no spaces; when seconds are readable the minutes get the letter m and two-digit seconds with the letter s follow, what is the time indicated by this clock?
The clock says 7h42
